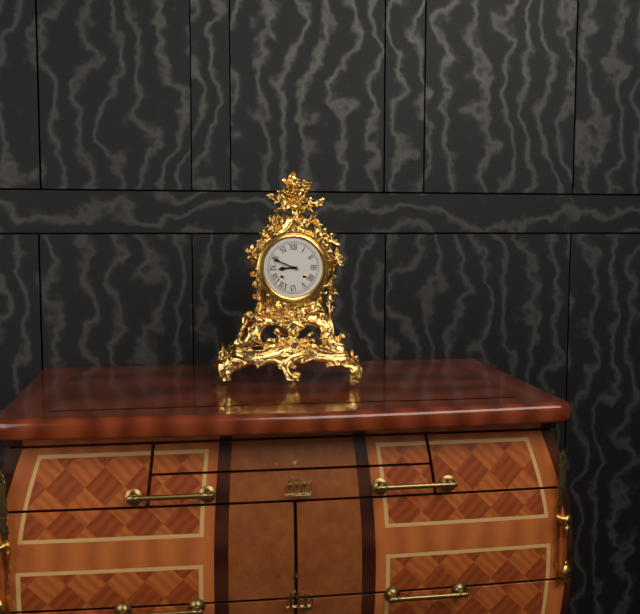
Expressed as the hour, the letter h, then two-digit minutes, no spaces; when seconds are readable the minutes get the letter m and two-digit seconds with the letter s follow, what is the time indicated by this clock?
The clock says 8h49
